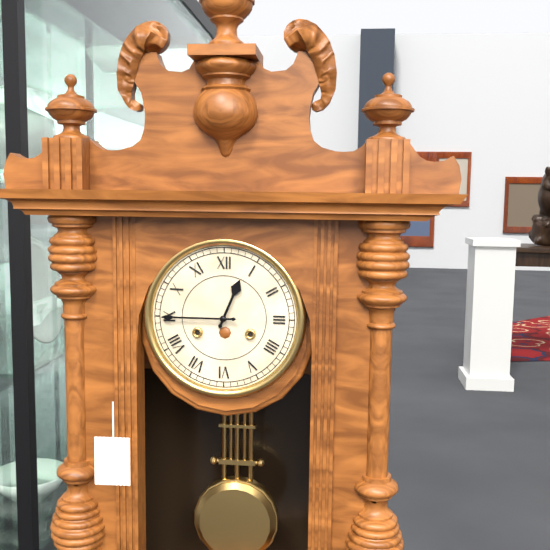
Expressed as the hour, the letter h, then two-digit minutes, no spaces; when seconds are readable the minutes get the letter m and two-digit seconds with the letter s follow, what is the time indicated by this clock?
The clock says 12h45
